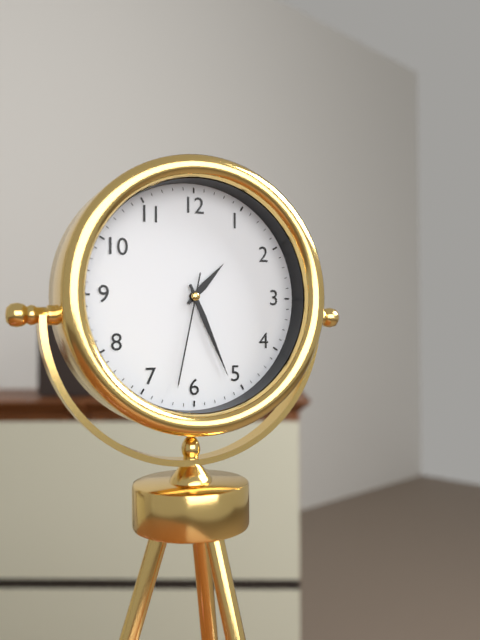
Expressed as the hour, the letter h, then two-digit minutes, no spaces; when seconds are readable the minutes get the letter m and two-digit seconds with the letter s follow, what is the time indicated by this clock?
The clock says 1h26m32s
